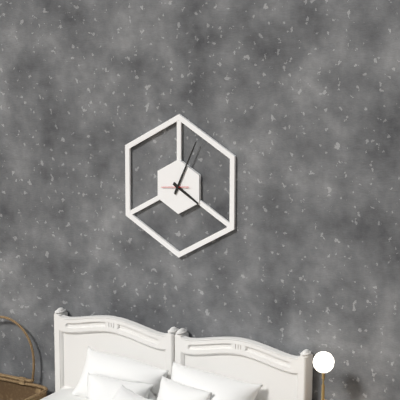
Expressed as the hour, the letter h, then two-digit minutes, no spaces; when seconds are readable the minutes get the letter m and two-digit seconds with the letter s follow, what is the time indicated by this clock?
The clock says 4h04
